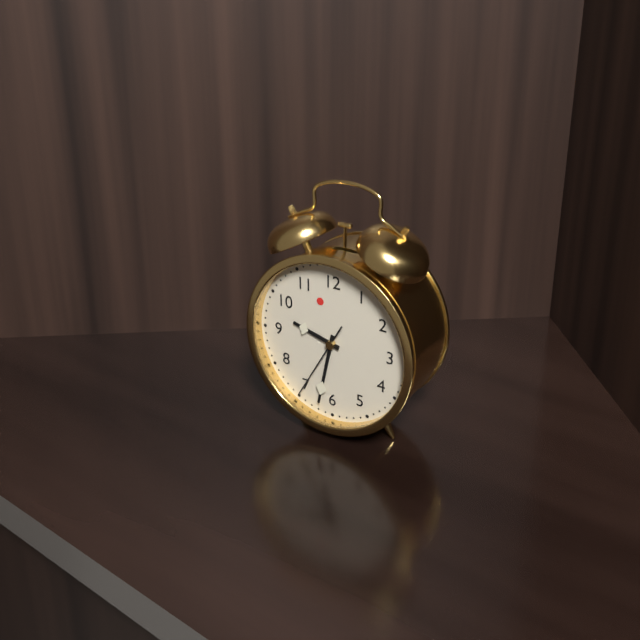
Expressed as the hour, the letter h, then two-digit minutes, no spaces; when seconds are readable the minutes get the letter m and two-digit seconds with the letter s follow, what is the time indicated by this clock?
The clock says 9h32m35s
